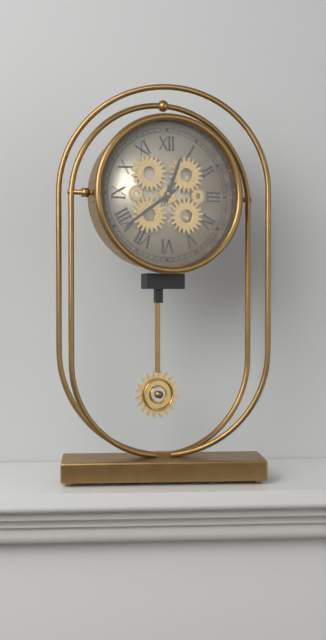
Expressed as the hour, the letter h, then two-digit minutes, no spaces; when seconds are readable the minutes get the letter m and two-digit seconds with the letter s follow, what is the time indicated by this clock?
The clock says 12h39
